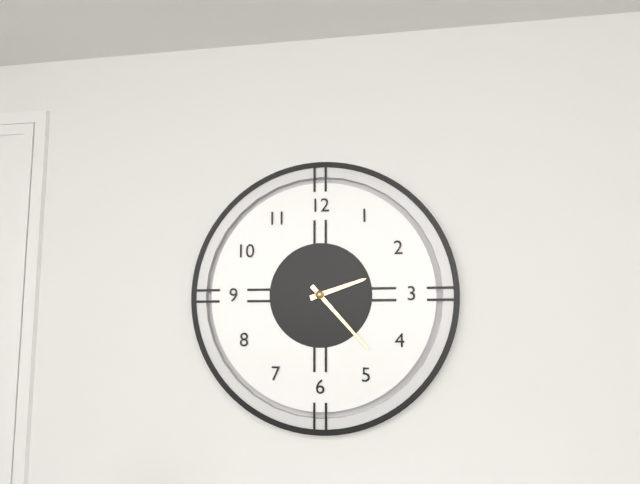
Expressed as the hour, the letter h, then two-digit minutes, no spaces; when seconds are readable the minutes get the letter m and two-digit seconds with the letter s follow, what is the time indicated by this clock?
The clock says 2h23
